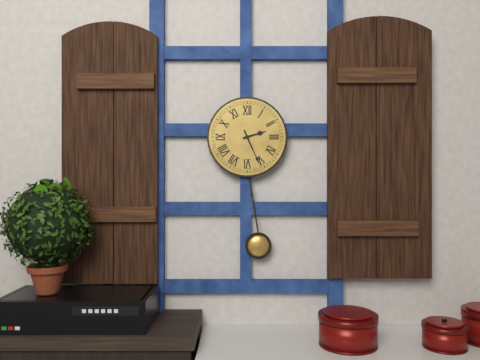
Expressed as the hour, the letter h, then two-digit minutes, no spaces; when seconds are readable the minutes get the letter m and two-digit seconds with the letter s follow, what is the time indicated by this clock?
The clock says 2h26
